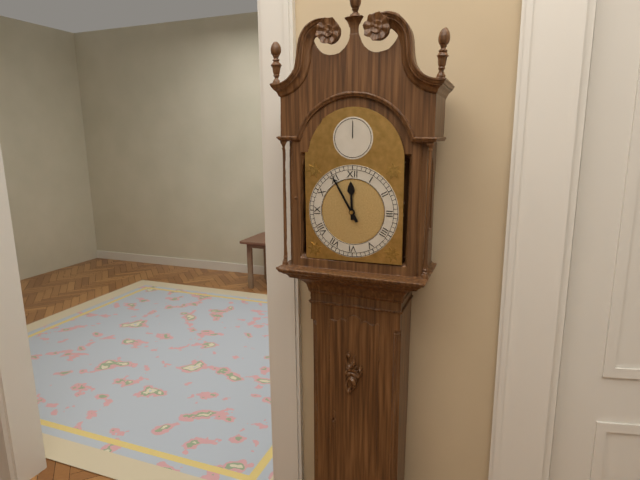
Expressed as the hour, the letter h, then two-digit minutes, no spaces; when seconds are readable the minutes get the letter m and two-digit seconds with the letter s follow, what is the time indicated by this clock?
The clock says 11h55
